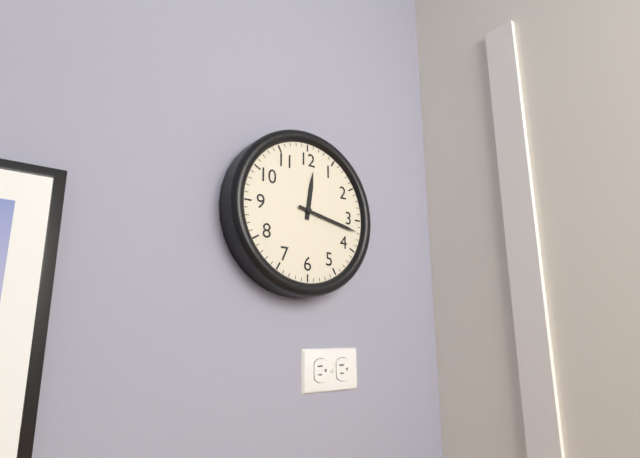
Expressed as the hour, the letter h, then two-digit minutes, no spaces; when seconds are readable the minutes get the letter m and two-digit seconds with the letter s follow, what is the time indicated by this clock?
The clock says 12h17
